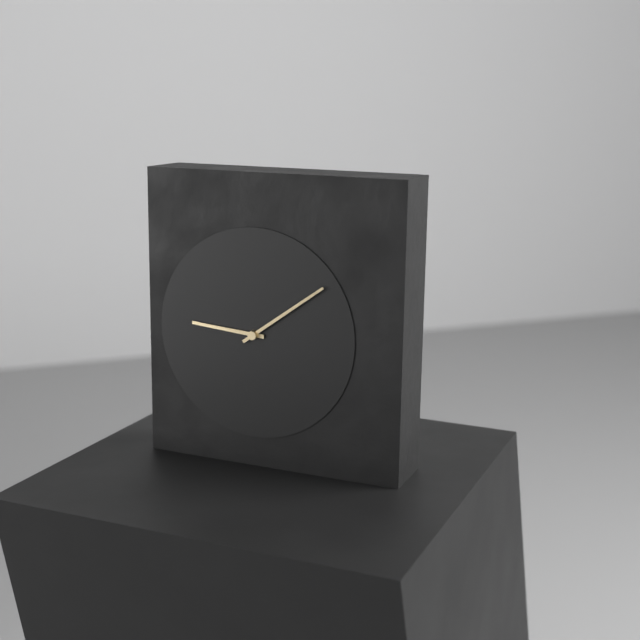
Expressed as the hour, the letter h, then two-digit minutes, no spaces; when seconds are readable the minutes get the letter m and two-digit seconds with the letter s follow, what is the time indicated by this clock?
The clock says 9h09
